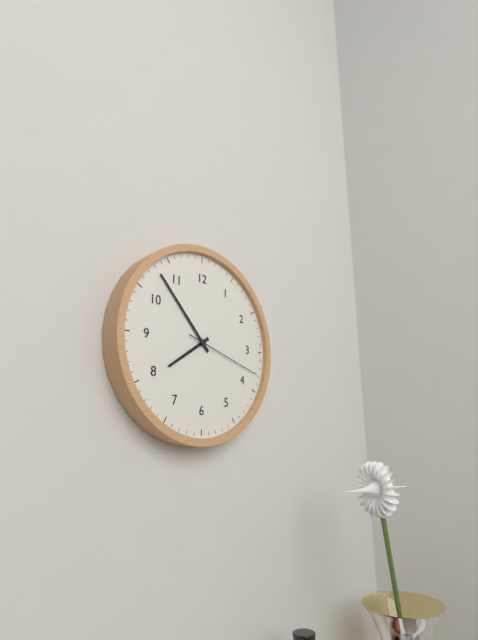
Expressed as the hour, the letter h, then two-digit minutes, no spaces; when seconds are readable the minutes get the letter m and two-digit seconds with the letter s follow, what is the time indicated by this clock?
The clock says 7h53m18s
